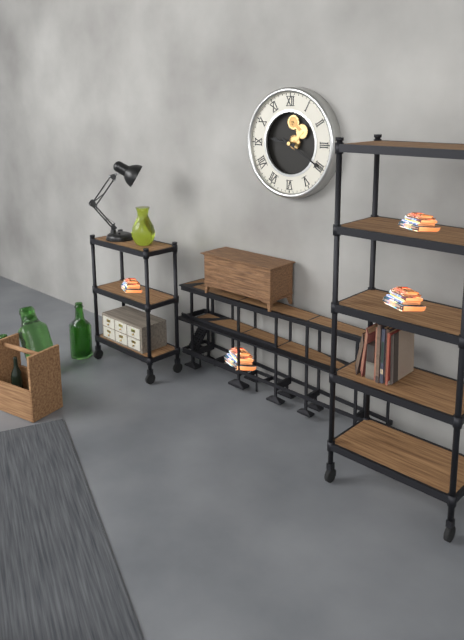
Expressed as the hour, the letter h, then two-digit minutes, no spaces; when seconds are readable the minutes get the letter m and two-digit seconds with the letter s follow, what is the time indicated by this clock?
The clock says 9h20
